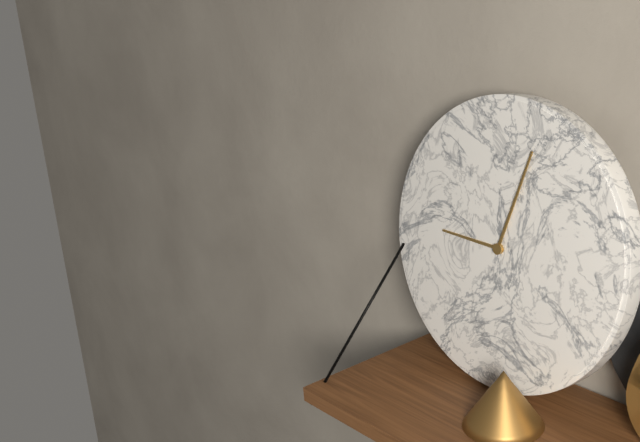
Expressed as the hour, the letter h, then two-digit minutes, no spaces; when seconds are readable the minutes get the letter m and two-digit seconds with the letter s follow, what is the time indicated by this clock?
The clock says 9h03
